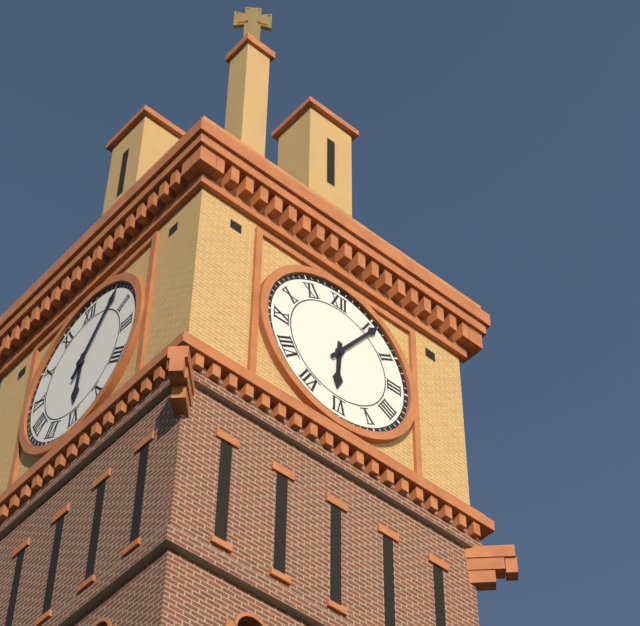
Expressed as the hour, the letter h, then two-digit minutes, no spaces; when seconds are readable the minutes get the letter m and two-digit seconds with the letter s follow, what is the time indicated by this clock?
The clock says 6h06
